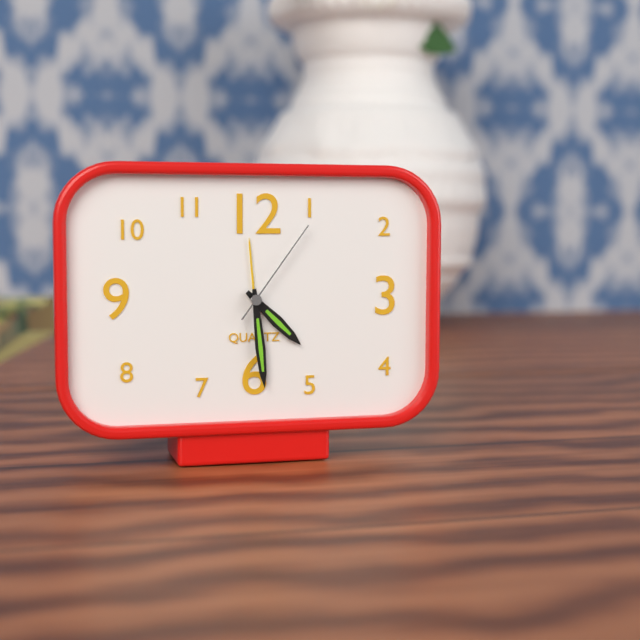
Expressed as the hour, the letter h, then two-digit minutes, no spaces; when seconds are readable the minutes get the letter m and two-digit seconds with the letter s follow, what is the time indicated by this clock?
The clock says 4h29m06s
